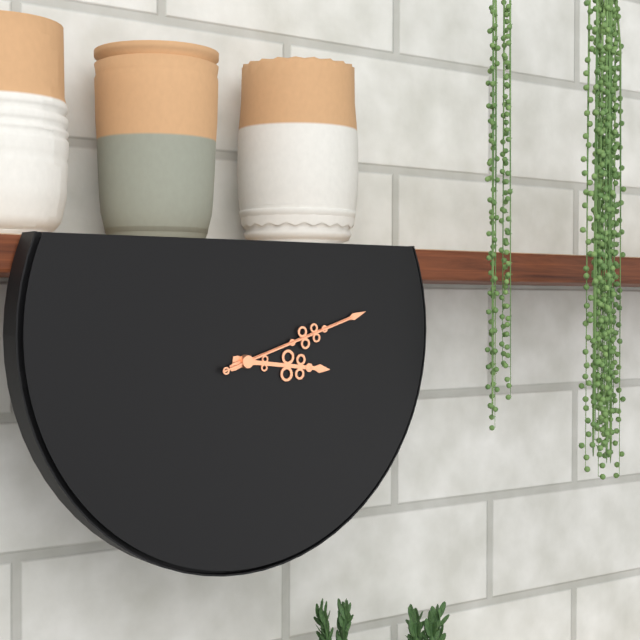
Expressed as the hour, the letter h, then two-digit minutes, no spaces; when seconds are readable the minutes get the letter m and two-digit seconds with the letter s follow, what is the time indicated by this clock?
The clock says 3h12m12s
